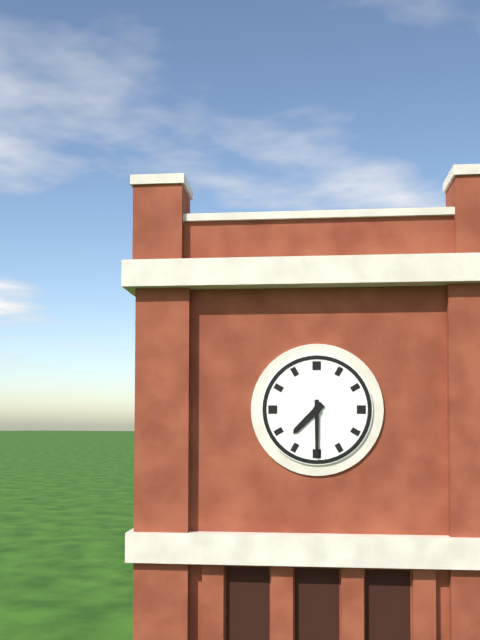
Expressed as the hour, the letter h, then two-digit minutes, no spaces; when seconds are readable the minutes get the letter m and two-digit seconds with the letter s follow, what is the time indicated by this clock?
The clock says 7h30
